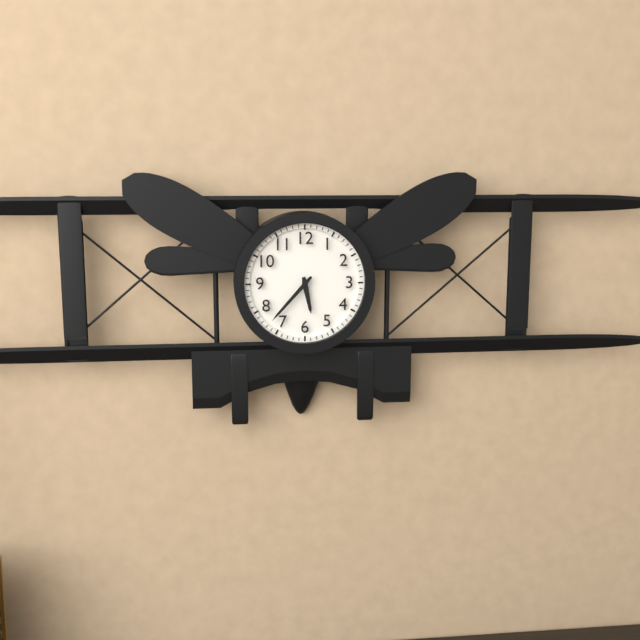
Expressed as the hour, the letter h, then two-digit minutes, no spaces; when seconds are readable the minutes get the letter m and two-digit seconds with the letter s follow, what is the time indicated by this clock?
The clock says 5h37
